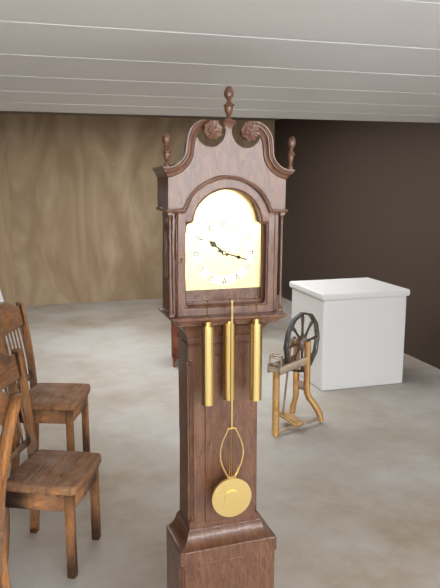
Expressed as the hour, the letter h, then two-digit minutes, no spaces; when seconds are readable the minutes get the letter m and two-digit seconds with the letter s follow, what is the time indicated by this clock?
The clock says 10h18
